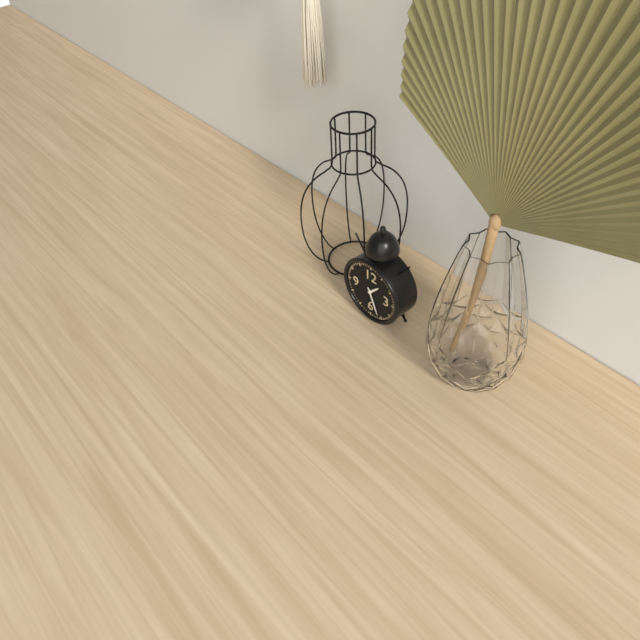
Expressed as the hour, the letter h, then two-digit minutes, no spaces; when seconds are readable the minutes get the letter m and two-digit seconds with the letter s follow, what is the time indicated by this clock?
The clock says 1h26
